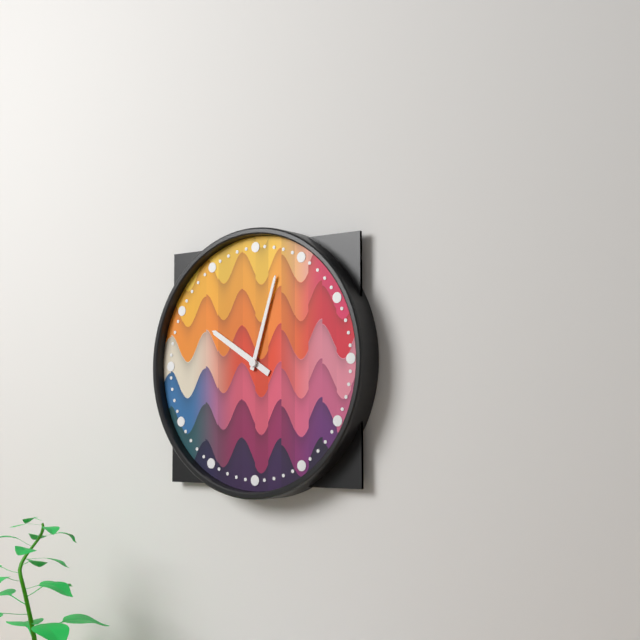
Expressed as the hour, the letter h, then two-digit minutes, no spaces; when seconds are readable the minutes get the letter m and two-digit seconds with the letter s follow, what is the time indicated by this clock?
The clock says 10h03
